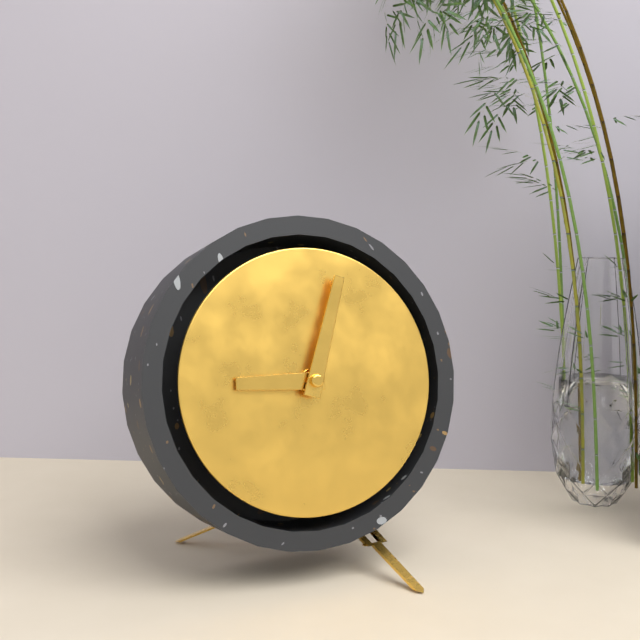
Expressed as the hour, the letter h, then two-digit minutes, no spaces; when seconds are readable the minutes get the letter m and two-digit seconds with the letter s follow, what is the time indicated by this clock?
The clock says 9h03
